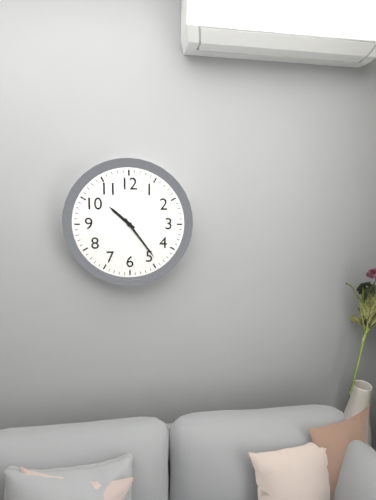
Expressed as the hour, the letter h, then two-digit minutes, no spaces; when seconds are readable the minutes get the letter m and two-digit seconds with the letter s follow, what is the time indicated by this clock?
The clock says 10h24
